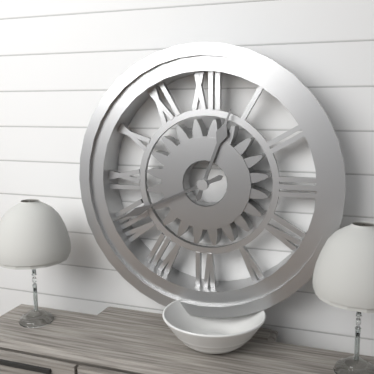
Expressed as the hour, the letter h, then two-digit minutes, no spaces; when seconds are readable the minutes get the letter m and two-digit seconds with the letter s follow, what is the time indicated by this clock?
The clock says 12h41
